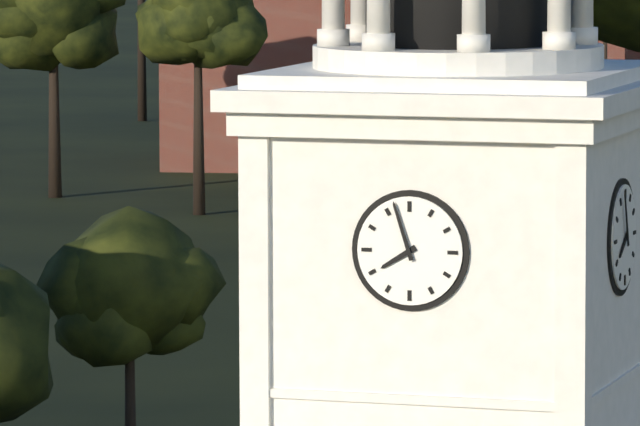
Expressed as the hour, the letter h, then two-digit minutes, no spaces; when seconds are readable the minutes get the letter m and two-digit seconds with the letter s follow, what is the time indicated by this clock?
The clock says 7h57
